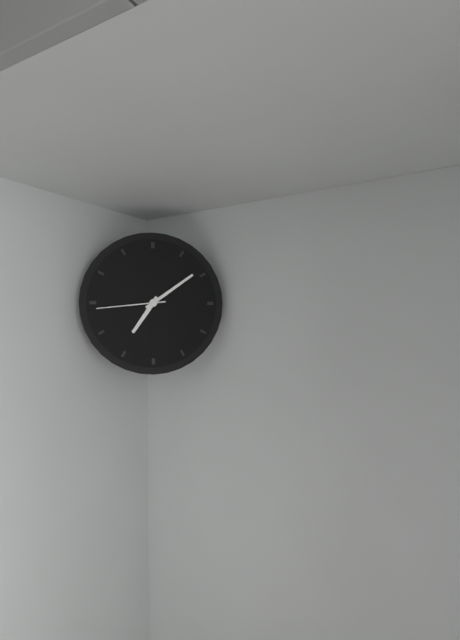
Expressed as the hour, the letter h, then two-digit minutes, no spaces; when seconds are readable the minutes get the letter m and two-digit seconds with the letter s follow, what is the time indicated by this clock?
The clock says 7h09m44s
